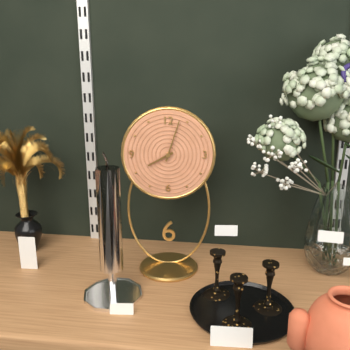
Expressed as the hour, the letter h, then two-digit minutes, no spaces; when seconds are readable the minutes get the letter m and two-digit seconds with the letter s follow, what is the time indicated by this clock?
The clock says 8h03
